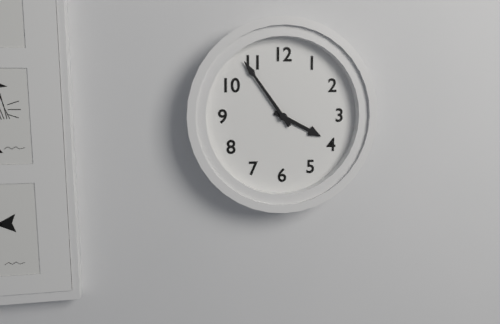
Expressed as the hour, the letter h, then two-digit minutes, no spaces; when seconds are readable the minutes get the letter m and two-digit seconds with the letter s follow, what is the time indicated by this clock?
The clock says 3h54
